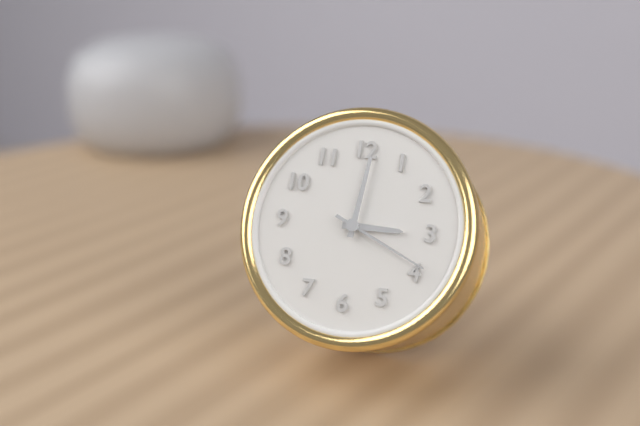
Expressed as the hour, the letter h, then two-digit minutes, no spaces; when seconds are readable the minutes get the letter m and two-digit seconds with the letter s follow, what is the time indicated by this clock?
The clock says 3h01m19s
